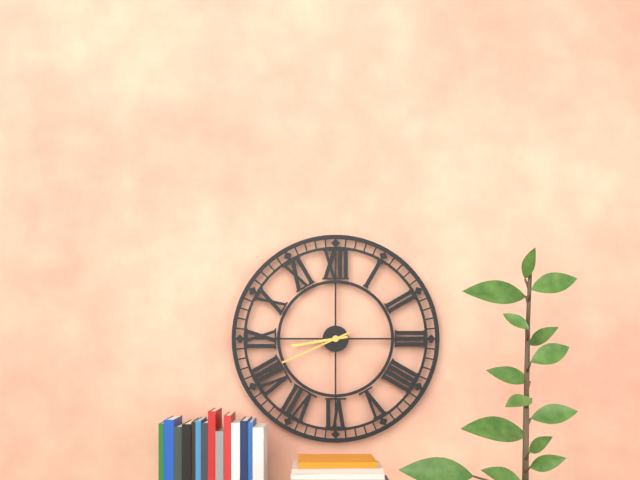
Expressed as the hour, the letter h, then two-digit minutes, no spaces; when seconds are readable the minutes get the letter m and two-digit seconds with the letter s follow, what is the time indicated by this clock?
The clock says 8h41
